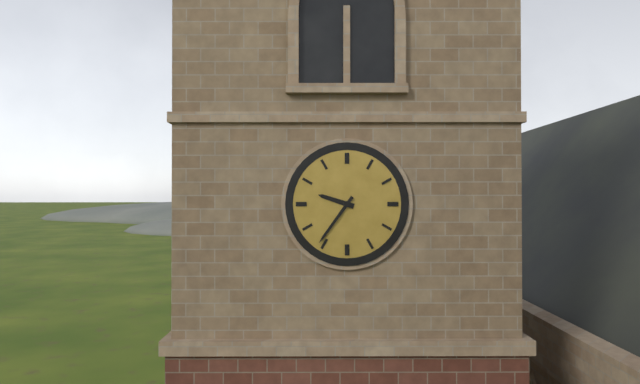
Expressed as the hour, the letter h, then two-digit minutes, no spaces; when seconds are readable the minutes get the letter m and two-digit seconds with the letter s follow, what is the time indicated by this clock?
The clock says 9h36
